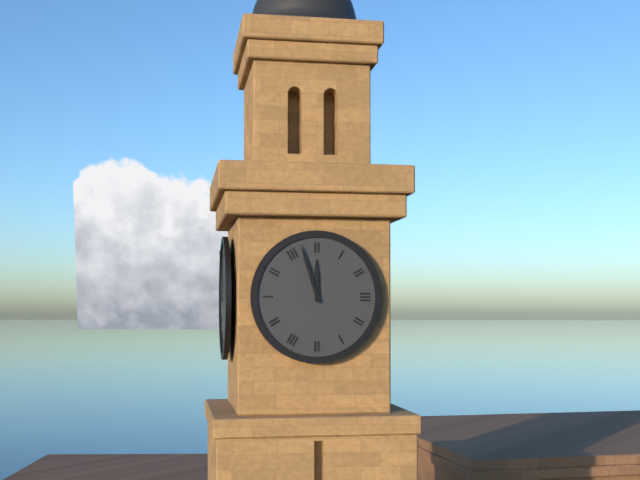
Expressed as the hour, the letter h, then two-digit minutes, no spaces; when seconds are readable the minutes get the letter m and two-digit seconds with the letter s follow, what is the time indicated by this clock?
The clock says 11h57
